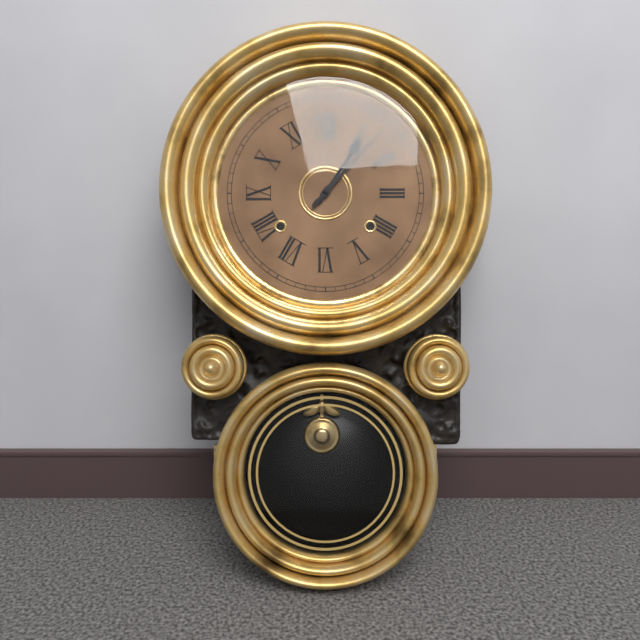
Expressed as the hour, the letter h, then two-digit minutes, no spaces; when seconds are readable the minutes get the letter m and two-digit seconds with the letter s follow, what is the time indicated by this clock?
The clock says 1h07
